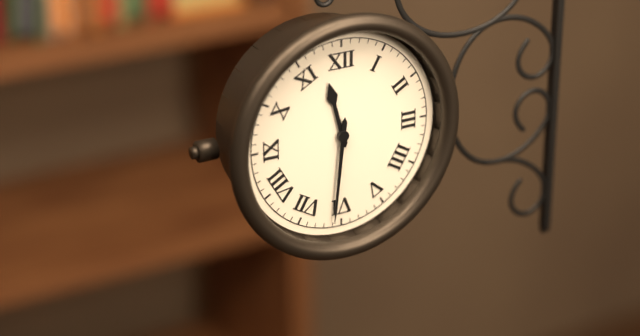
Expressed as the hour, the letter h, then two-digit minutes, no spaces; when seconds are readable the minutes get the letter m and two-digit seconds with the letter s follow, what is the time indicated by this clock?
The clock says 11h31
